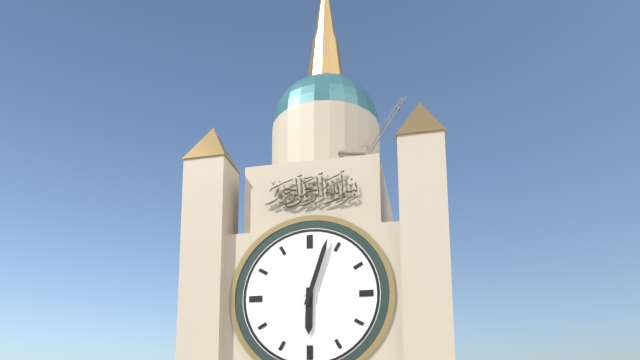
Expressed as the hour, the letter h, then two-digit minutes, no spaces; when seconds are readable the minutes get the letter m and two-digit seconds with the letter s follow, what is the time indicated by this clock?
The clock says 6h03
